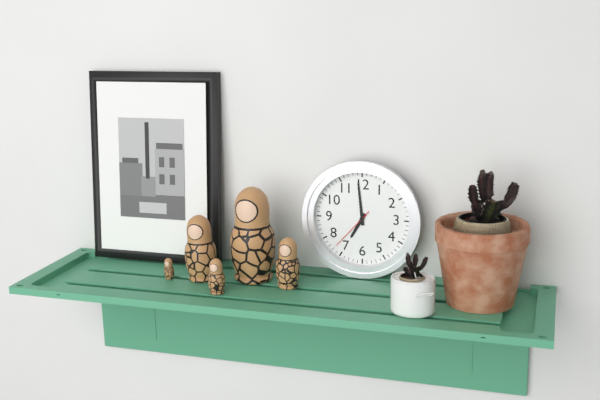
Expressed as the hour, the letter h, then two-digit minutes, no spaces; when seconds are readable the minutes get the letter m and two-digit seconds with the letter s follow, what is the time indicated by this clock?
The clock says 6h59
